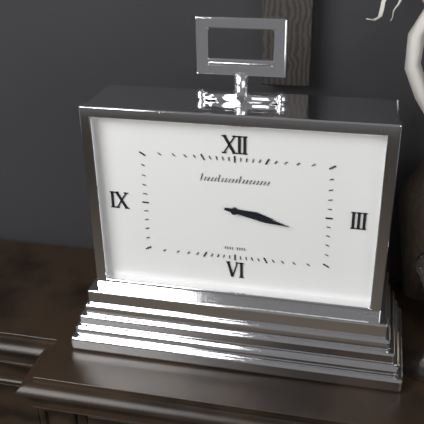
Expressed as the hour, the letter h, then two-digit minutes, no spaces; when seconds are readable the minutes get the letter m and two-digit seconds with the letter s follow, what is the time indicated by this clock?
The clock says 3h17
